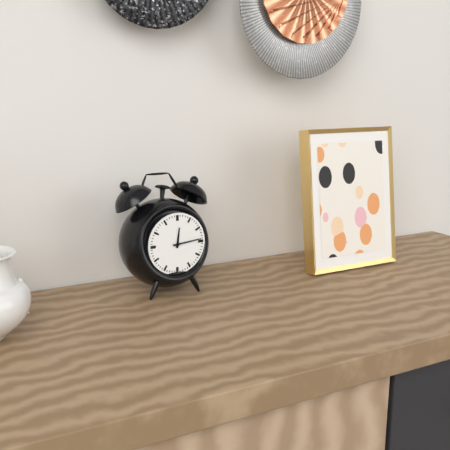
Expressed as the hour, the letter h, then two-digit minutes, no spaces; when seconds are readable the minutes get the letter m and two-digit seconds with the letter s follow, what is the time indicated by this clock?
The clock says 12h14
